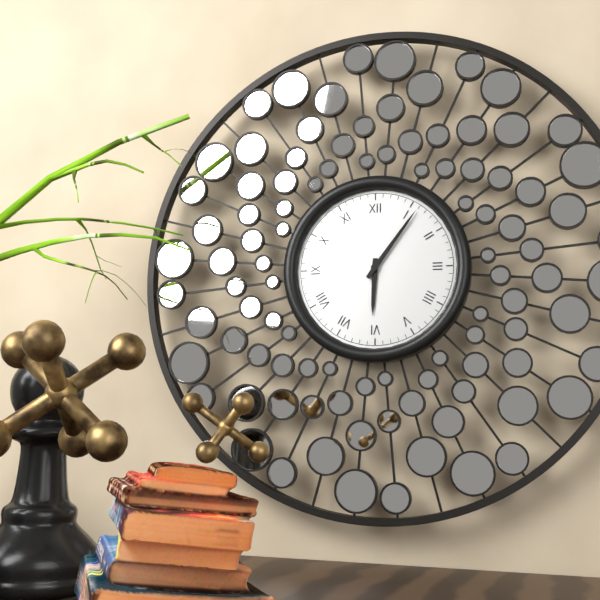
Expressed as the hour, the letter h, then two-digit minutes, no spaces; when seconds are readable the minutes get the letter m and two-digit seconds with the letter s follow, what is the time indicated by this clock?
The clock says 6h06
